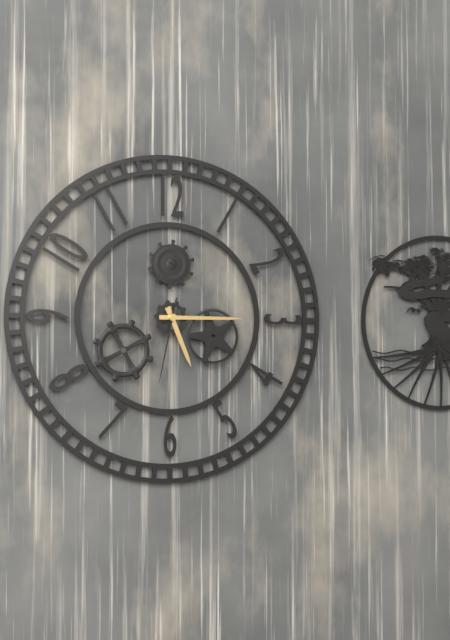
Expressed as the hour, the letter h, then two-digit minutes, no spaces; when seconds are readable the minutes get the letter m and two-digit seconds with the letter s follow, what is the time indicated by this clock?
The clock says 5h15m32s
